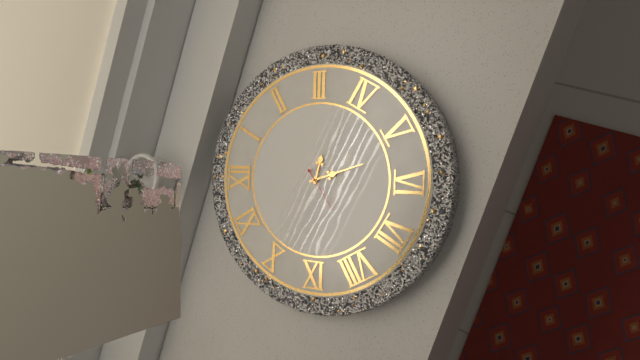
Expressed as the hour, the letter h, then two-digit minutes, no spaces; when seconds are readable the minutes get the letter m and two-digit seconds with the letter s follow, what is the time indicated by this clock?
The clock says 3h27
